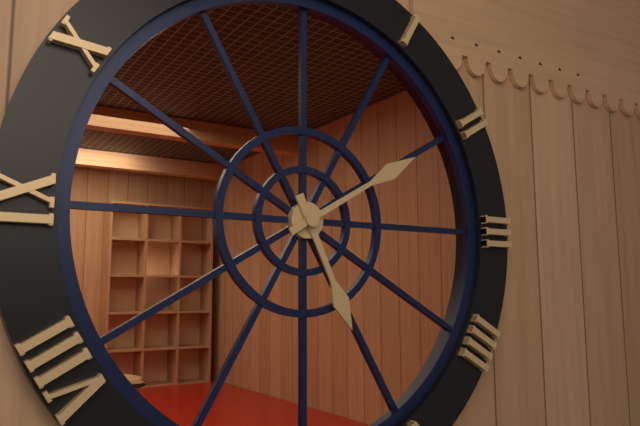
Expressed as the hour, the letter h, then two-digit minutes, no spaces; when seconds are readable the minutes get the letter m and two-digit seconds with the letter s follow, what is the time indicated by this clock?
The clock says 5h10
